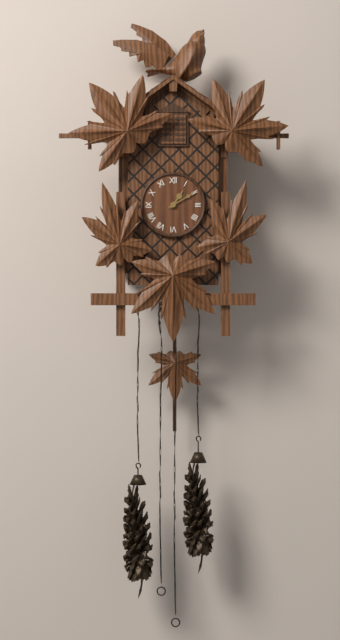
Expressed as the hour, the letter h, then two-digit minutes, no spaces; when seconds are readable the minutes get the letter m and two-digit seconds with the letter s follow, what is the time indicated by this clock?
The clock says 1h10
